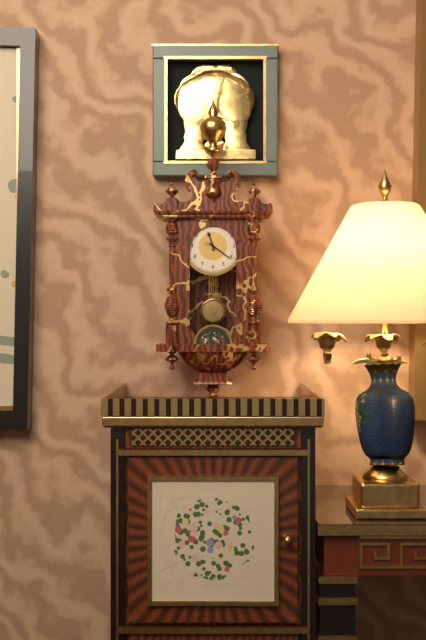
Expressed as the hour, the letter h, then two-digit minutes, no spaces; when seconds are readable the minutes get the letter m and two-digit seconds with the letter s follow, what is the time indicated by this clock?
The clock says 11h21
